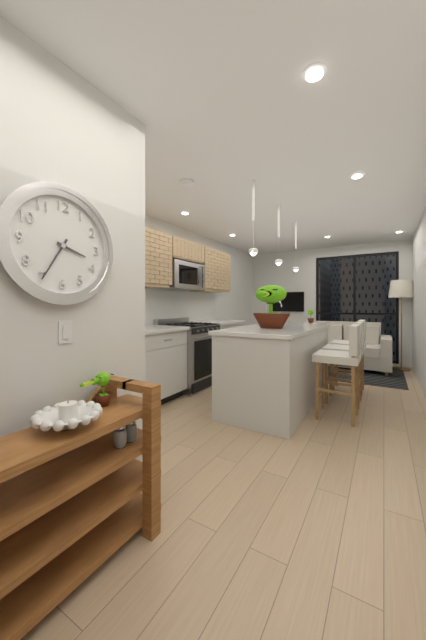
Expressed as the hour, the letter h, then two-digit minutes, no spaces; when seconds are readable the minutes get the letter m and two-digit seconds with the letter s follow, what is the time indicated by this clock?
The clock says 3h35
